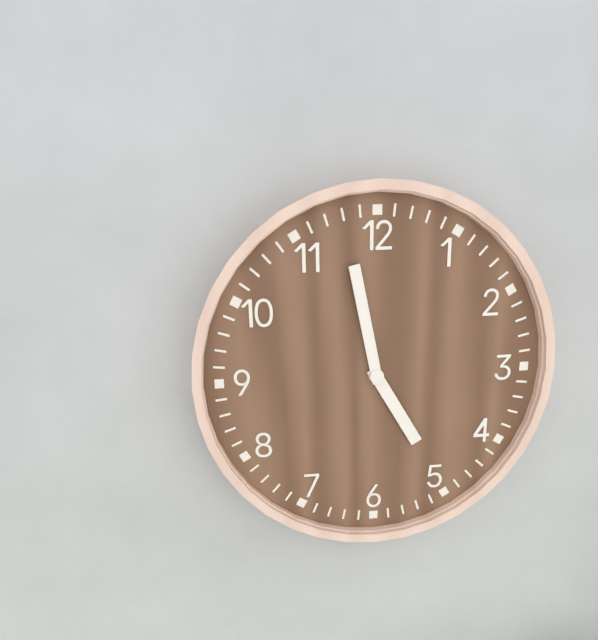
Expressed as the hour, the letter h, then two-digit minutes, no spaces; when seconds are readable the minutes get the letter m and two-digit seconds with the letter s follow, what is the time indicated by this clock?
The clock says 4h58
